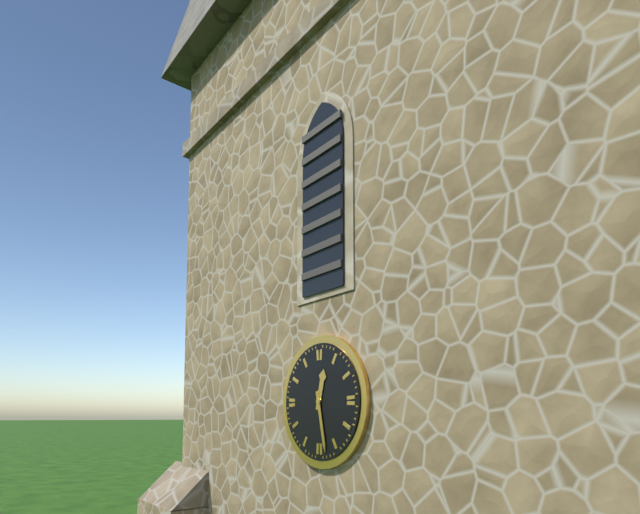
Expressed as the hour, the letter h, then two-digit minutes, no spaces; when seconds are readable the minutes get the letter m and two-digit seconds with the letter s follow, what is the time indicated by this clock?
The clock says 12h28
